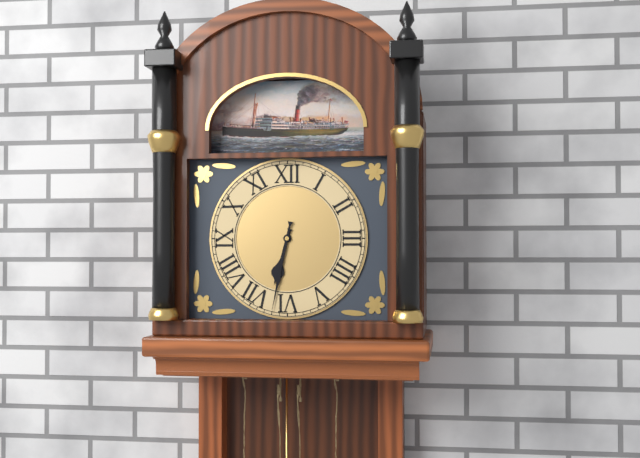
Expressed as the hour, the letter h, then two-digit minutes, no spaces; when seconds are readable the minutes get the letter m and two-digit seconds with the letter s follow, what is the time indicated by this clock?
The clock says 6h32
